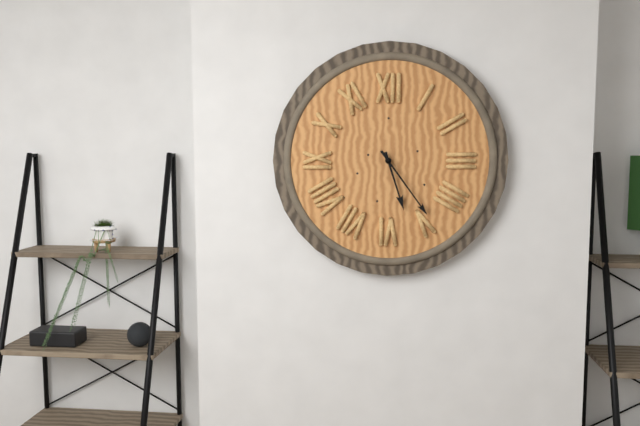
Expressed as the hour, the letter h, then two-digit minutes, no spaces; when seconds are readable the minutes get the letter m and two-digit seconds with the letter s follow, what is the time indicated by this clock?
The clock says 5h24
